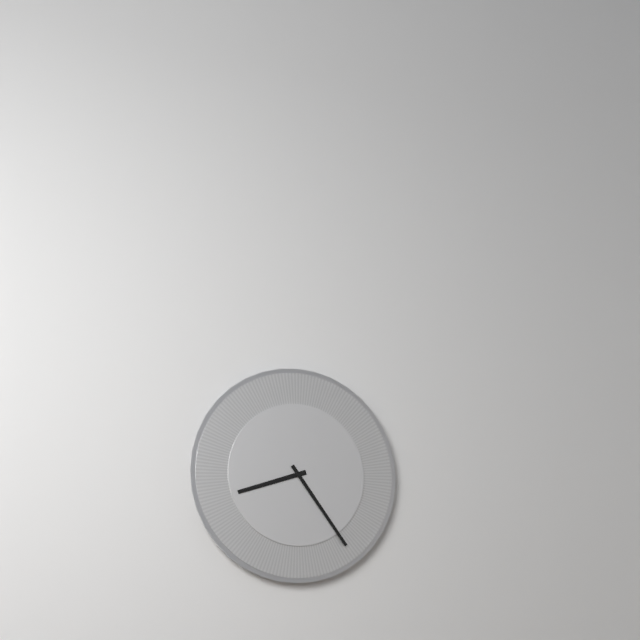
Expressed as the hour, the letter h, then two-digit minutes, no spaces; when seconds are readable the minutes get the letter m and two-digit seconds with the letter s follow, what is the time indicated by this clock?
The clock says 8h24
